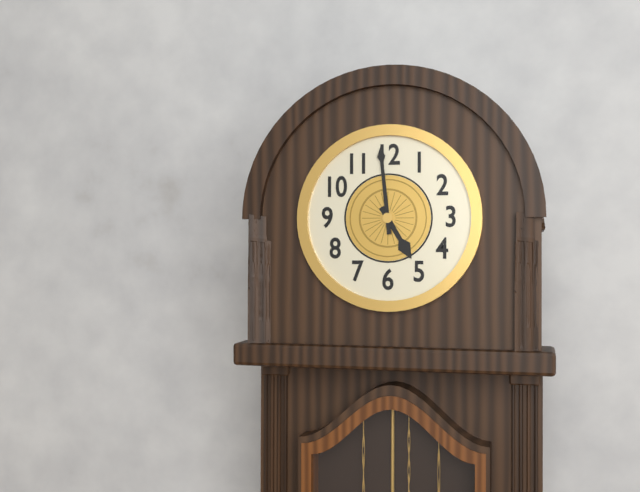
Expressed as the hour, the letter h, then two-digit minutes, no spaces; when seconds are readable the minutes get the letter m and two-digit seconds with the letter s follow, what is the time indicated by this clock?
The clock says 4h59
